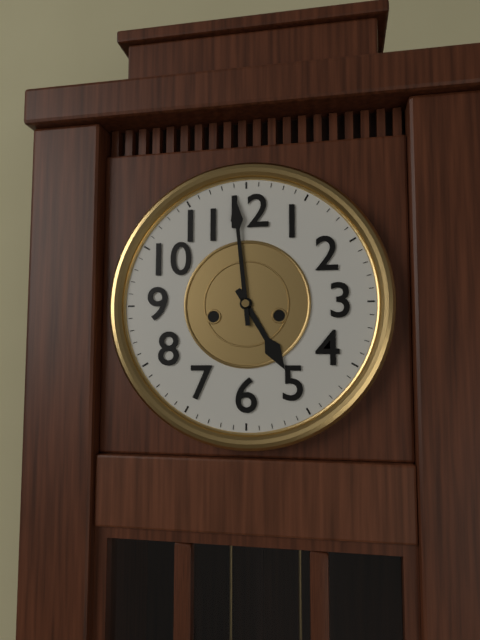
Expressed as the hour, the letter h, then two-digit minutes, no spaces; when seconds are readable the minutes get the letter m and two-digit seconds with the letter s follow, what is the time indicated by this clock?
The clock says 4h59
